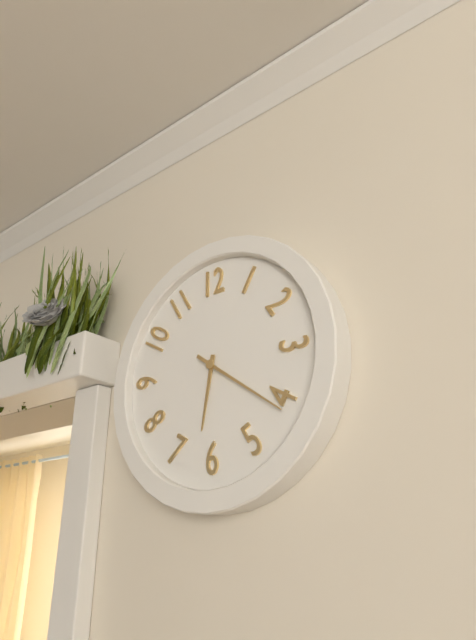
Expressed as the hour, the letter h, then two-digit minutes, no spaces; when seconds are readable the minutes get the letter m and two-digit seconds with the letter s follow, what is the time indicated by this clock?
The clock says 6h21
